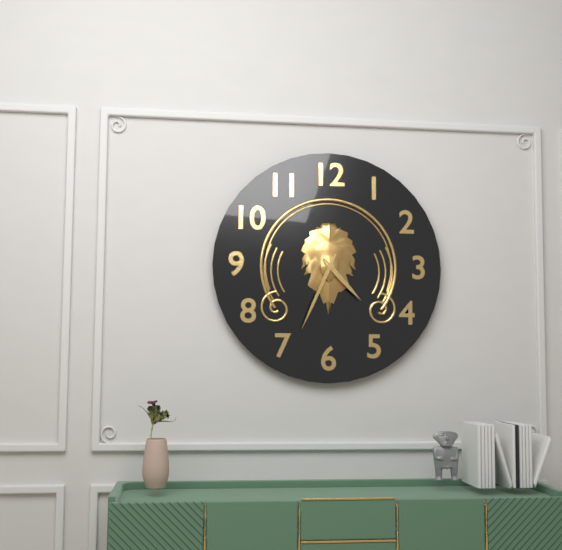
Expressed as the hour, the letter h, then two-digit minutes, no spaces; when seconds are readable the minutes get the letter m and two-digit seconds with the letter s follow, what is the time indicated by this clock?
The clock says 4h34
